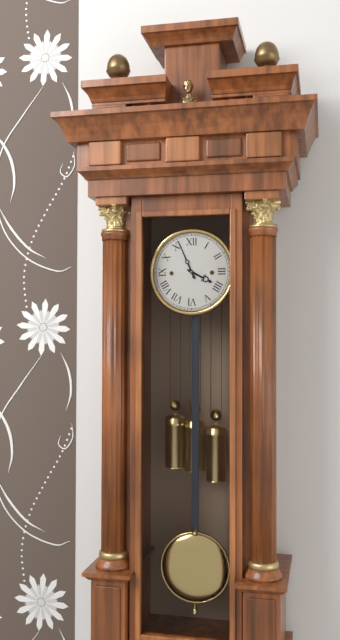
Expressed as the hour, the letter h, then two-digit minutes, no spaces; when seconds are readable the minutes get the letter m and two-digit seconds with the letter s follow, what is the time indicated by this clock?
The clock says 3h56
